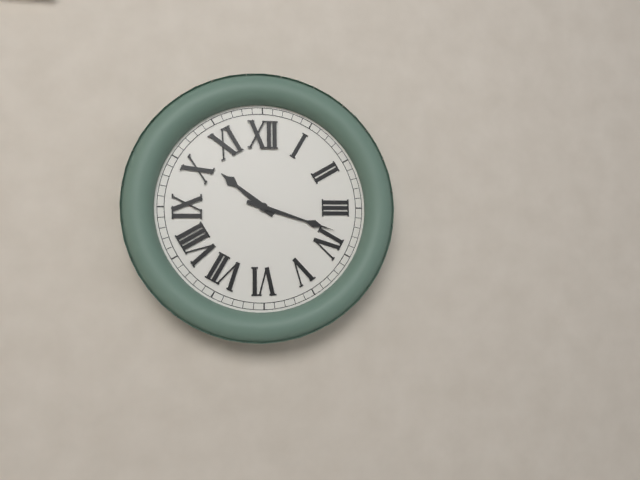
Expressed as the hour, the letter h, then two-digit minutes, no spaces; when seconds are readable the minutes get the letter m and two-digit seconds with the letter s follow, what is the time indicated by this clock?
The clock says 10h18
